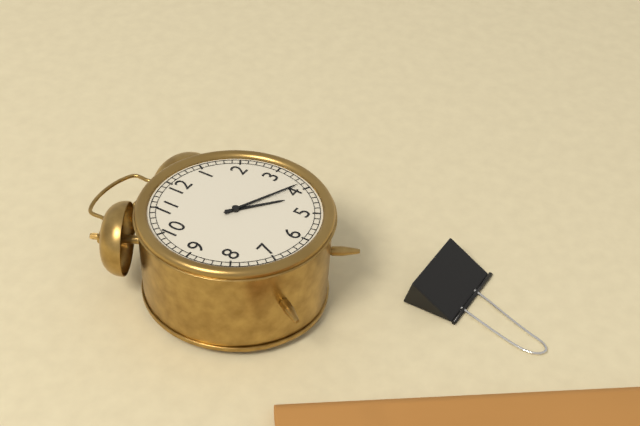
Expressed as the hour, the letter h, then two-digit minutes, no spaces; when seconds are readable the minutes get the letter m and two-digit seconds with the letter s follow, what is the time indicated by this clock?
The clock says 4h19
